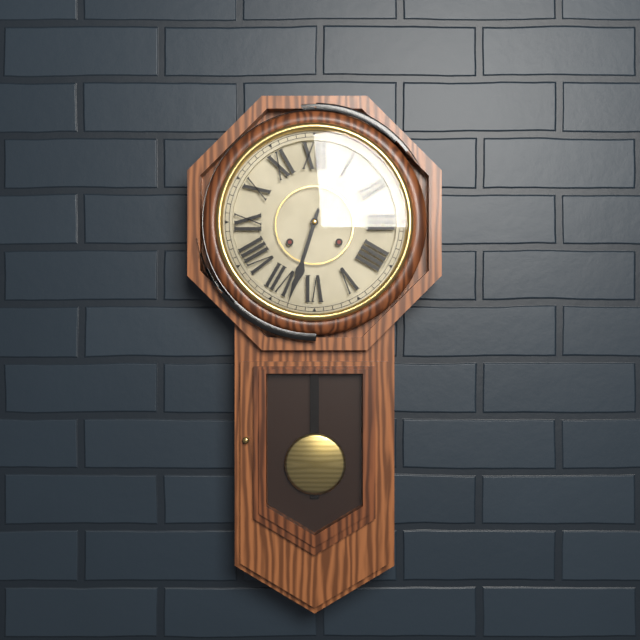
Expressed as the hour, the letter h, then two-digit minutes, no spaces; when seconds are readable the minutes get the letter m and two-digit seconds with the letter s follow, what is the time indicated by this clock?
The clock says 6h33
